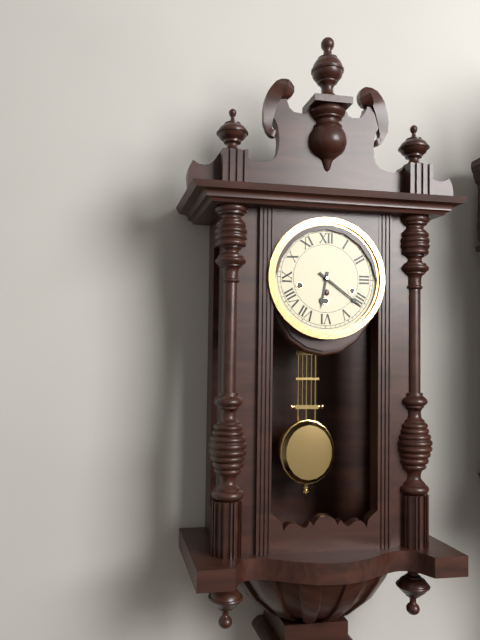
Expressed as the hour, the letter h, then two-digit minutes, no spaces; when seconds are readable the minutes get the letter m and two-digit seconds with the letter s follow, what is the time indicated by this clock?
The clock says 6h21
